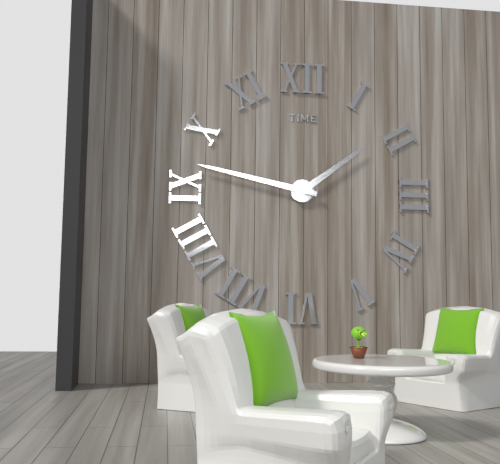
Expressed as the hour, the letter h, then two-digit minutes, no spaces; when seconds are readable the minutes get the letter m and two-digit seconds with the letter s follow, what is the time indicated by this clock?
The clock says 1h47
